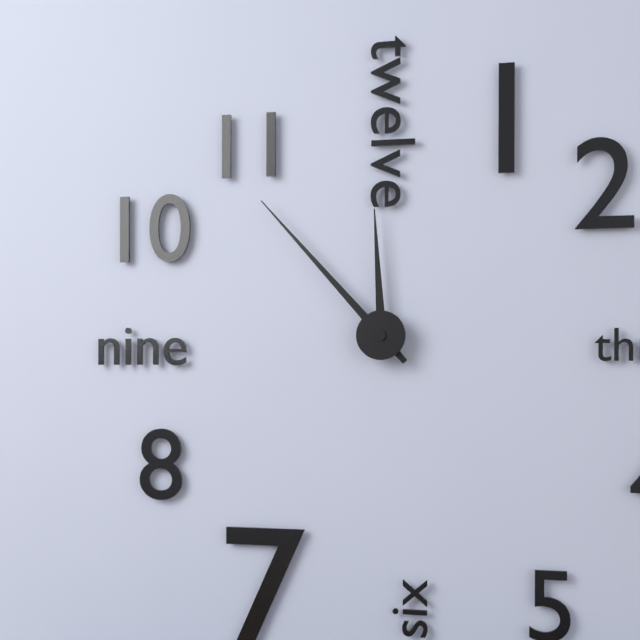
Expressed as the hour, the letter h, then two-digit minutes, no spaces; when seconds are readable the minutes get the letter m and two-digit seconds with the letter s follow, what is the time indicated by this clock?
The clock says 11h53
